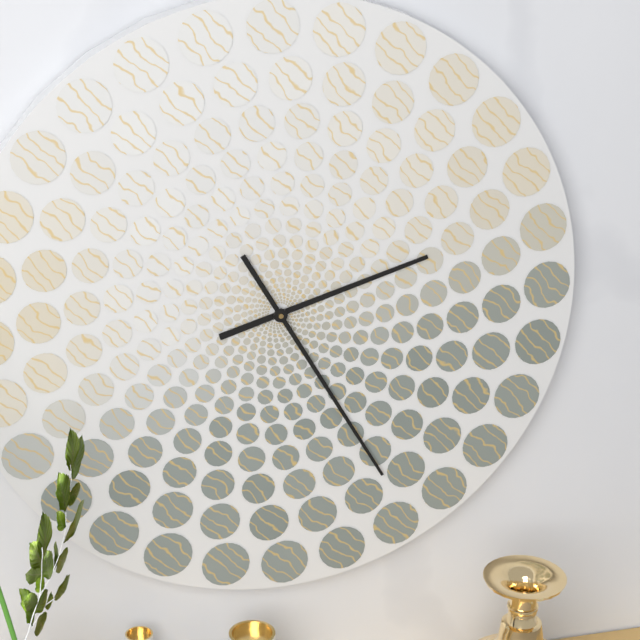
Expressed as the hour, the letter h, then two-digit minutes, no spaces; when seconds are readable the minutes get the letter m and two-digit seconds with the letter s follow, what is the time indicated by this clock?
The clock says 2h25
